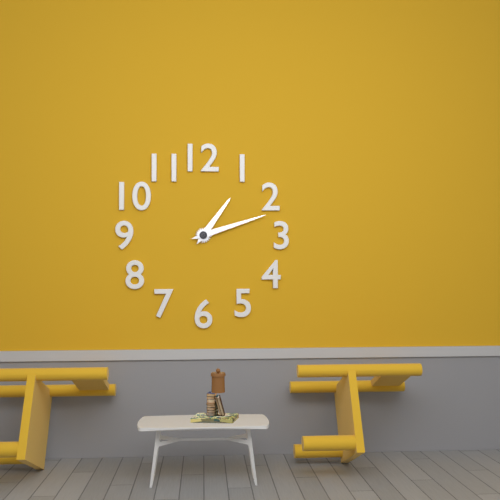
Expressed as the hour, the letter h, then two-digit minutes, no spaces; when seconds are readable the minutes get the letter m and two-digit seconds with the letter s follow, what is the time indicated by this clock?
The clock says 1h12
